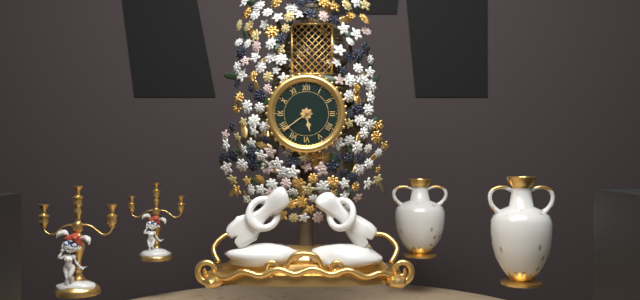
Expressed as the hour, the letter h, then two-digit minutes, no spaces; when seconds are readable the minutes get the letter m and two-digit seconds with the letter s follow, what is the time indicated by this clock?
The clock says 5h39
